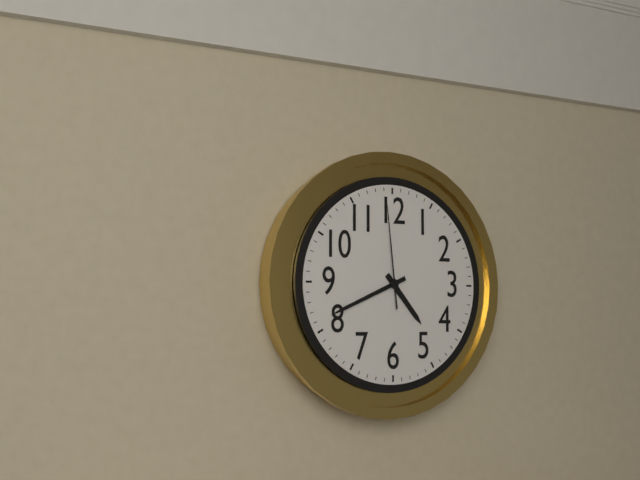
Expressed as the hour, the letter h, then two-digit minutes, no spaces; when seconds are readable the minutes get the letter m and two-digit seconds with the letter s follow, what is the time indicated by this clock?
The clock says 4h41m59s
